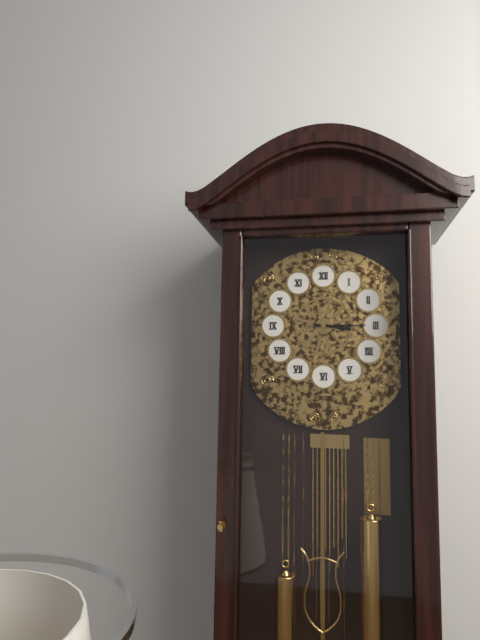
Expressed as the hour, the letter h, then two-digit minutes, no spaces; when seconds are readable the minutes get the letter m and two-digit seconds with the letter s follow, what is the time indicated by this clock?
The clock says 3h15
